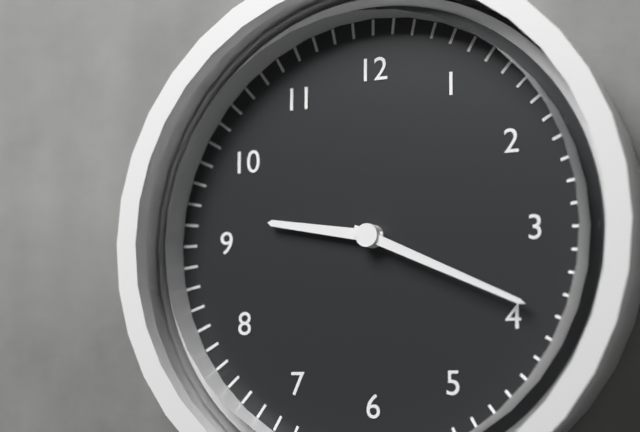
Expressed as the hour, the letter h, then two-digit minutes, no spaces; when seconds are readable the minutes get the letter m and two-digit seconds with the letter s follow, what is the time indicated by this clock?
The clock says 9h19
